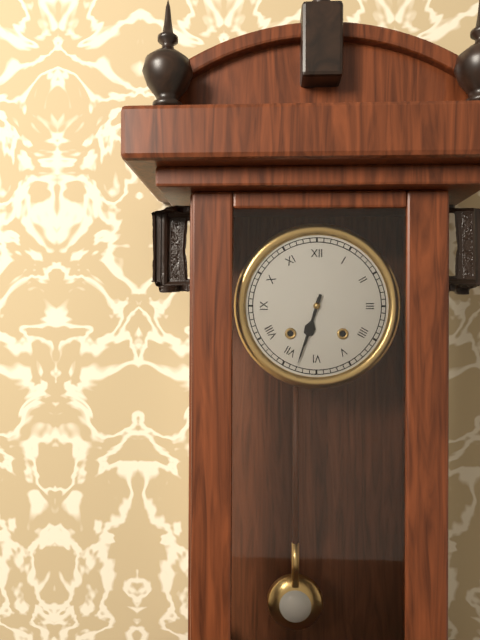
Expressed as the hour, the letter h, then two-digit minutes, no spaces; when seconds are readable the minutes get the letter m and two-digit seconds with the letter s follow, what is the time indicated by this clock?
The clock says 6h33
